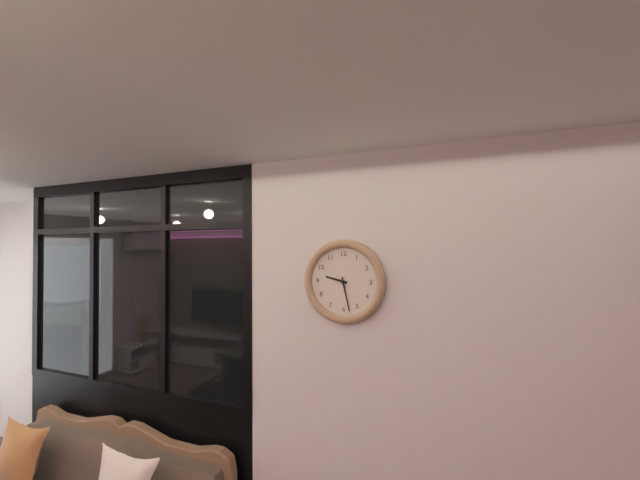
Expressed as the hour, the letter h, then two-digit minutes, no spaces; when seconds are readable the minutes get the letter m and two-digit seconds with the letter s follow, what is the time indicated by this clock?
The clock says 9h28
